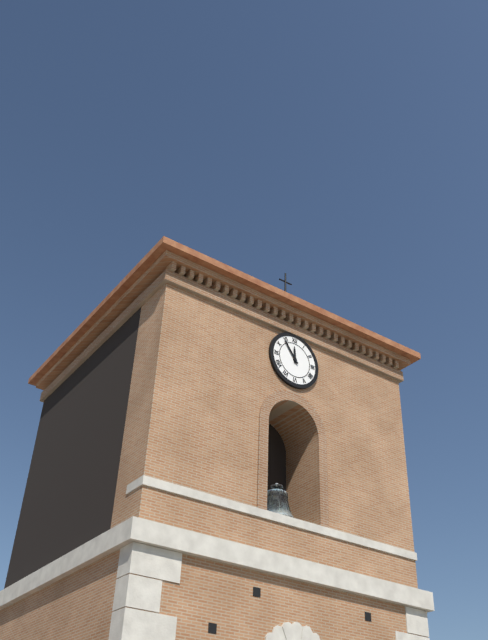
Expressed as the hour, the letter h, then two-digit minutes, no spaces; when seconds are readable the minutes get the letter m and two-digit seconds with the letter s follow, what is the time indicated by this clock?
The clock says 11h54
